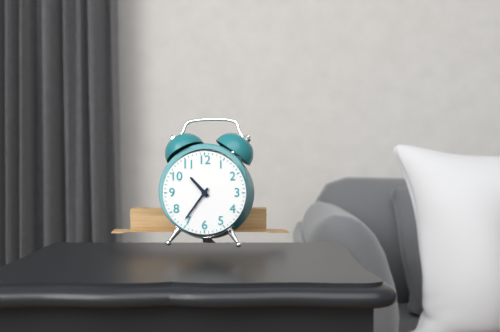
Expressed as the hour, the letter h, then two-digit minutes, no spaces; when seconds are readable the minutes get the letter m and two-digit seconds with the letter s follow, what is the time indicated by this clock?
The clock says 10h36
